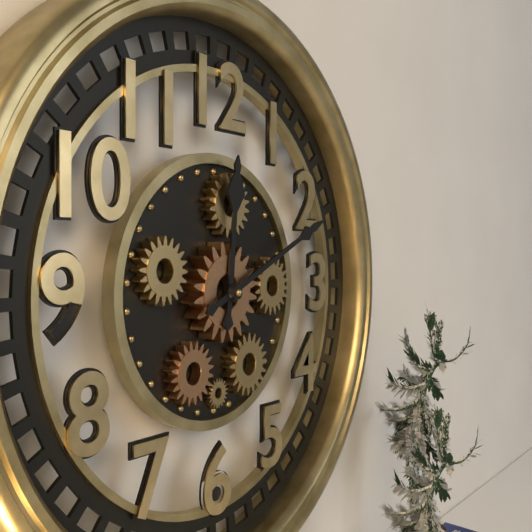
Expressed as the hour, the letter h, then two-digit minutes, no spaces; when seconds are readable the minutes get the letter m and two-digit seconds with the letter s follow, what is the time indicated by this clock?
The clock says 12h11
